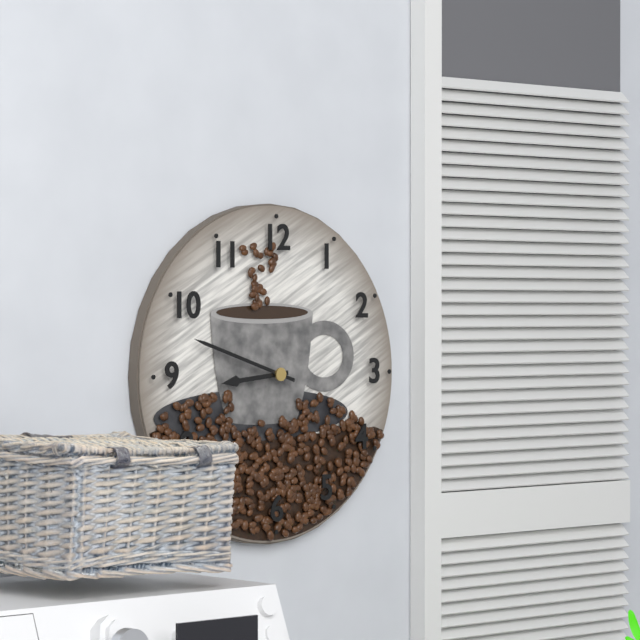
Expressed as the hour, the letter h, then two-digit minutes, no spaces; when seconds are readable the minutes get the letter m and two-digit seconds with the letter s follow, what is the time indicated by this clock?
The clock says 8h48
